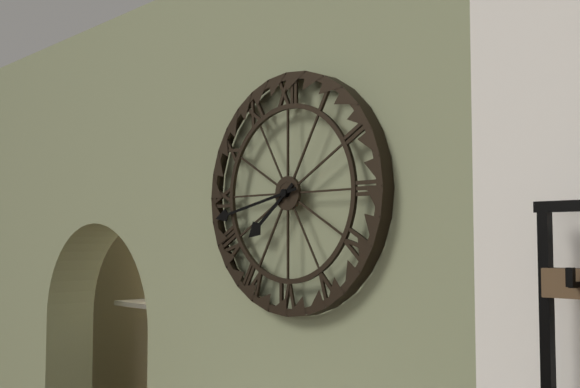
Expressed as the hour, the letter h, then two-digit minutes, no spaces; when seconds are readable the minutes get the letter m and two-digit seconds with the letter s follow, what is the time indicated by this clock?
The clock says 7h43
